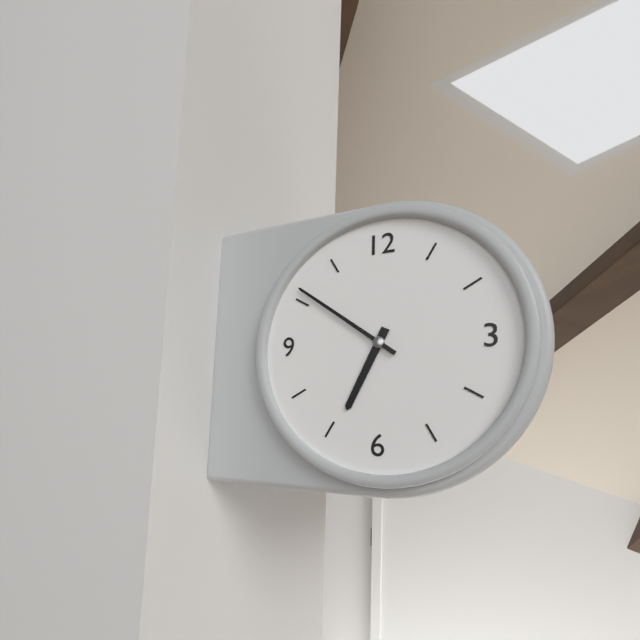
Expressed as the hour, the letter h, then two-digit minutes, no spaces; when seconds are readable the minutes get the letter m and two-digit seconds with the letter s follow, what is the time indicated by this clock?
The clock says 6h51
